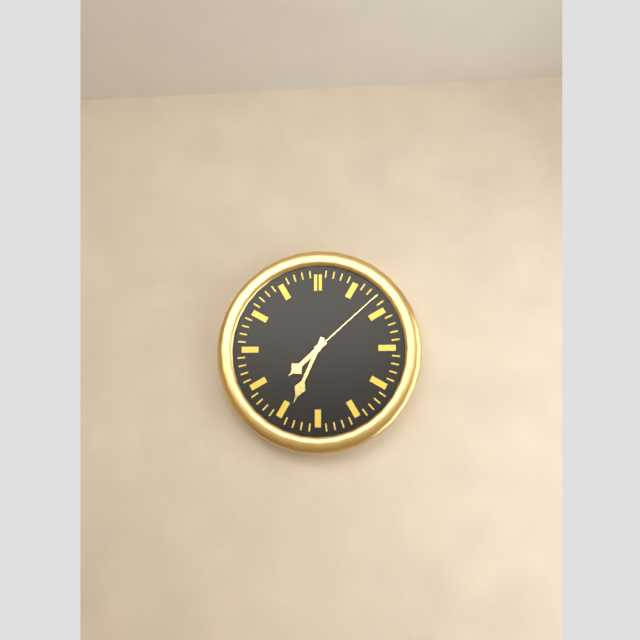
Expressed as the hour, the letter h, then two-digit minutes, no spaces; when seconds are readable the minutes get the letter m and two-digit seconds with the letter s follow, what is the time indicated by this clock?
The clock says 7h34m08s
